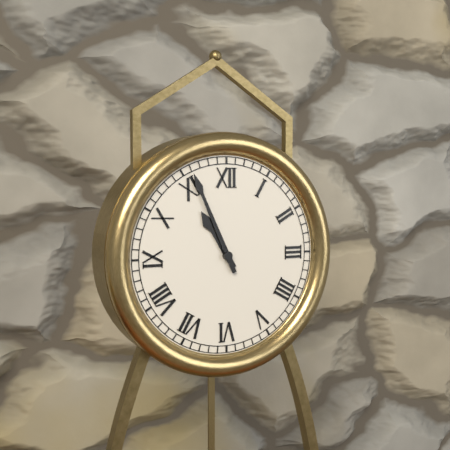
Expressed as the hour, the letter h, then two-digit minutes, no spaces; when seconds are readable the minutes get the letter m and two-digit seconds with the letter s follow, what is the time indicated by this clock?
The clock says 10h56
